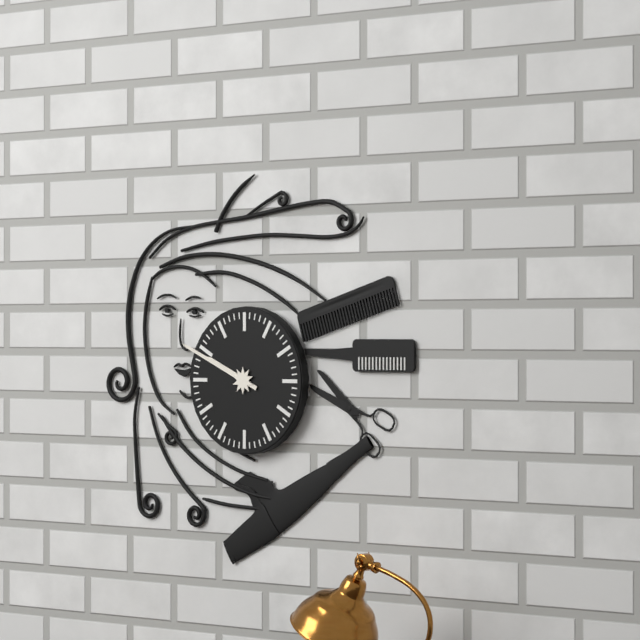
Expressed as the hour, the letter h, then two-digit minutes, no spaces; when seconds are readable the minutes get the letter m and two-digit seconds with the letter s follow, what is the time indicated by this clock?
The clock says 9h49
